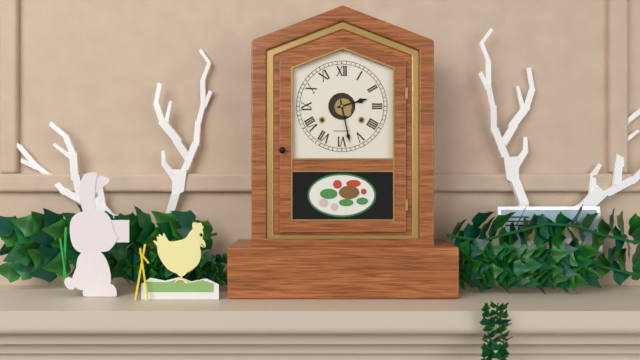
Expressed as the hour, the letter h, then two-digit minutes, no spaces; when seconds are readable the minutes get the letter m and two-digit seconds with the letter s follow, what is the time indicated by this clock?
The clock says 2h28
